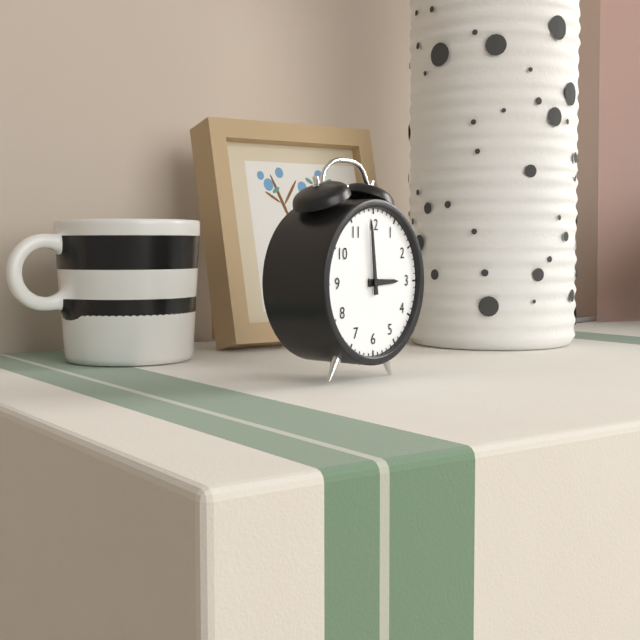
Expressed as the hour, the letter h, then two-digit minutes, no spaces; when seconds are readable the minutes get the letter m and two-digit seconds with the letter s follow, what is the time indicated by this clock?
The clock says 2h59
